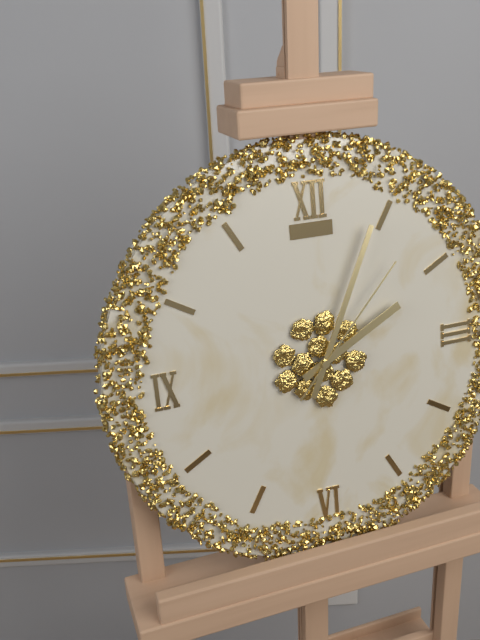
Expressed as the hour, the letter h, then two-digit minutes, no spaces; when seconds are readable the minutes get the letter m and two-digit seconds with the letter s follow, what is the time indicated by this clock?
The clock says 2h04m07s
